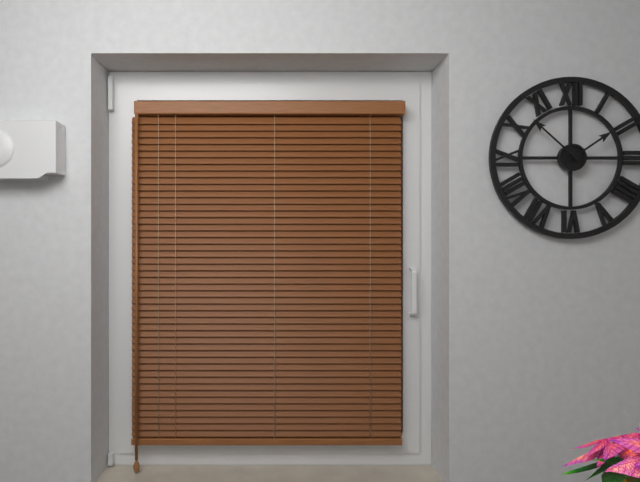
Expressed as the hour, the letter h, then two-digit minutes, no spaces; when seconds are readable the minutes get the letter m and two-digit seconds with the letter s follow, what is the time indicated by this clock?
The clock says 1h52
